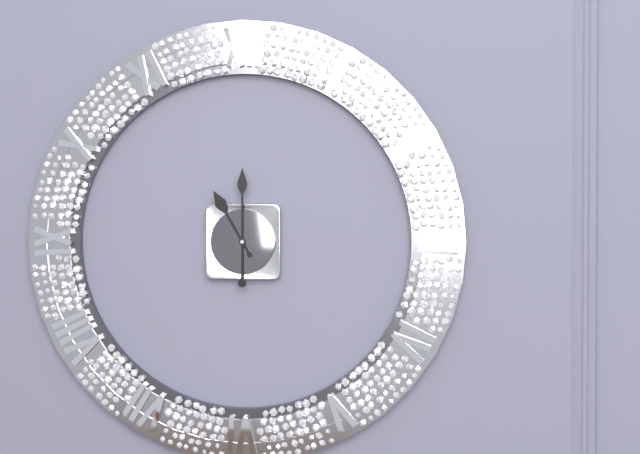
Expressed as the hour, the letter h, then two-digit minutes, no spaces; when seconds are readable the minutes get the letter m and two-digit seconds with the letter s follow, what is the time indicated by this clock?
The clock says 11h00
